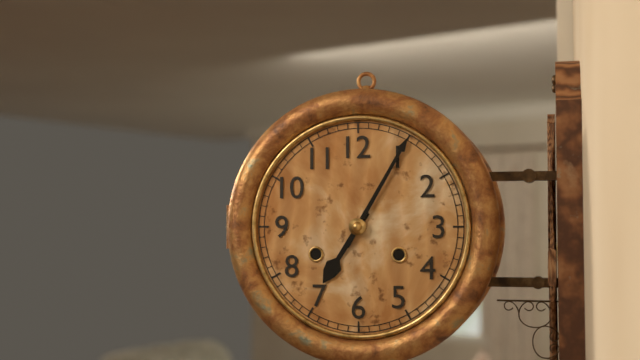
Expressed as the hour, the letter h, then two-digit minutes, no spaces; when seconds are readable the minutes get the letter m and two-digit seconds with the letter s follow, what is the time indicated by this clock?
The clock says 7h05
